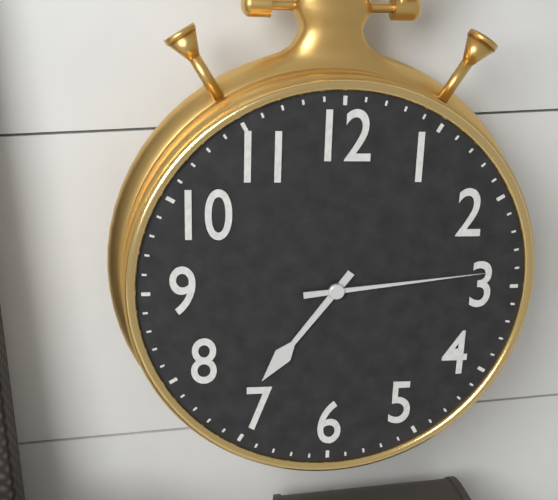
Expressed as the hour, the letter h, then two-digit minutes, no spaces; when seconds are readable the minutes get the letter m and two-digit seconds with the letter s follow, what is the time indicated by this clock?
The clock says 7h14
